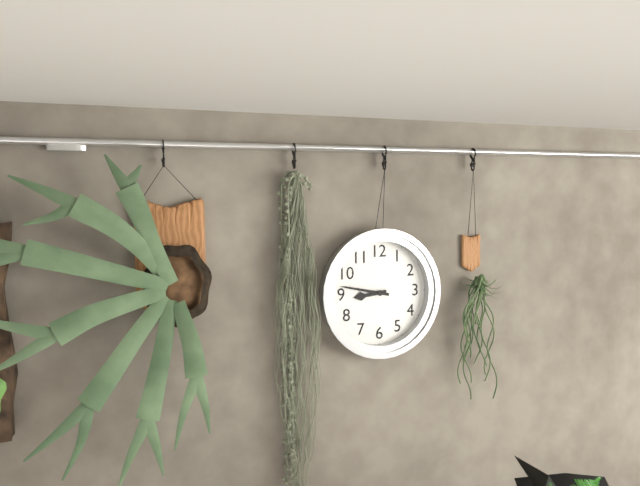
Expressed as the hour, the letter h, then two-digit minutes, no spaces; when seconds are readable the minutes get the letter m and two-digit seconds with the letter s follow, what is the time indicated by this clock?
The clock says 8h47
